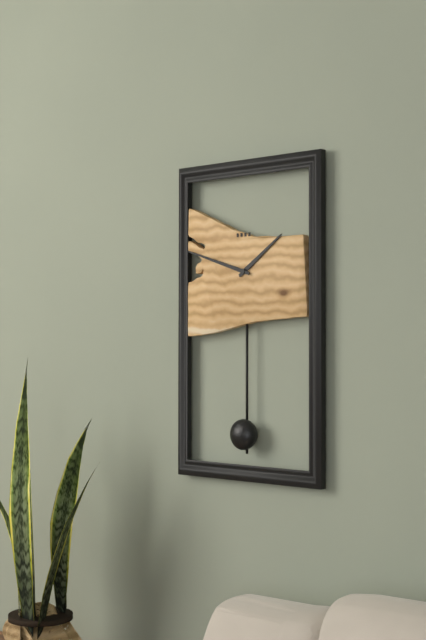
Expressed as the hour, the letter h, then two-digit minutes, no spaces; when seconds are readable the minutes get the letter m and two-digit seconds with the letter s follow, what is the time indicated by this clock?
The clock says 1h48
